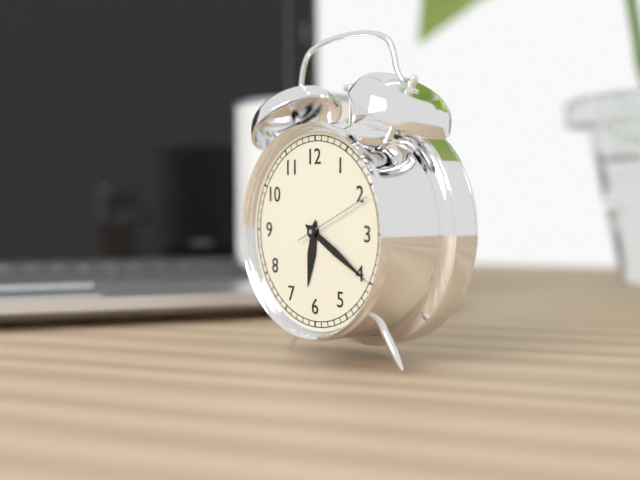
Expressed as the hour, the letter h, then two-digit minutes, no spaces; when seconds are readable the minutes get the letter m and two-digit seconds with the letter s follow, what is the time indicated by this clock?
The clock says 6h20m11s
